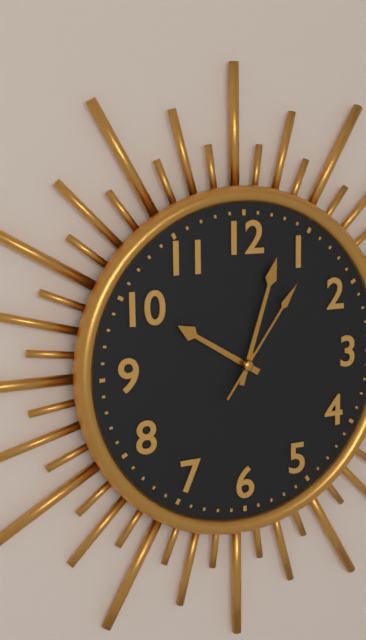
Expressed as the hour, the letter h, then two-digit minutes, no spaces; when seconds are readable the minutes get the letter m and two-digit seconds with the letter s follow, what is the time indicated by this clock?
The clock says 10h03m06s
